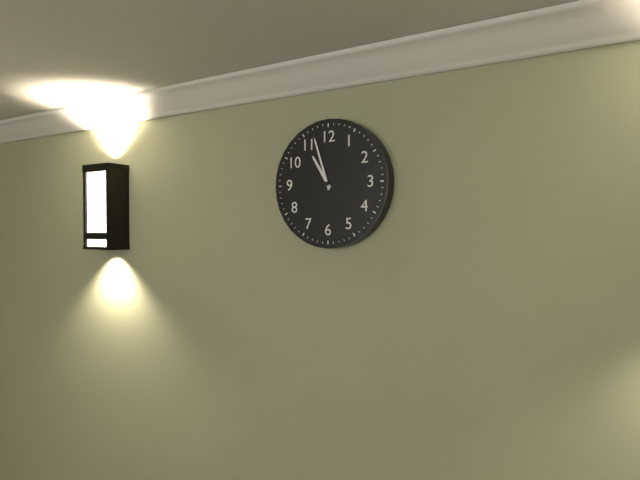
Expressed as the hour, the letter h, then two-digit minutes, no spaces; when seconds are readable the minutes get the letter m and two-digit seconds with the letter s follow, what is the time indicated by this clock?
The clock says 10h57
